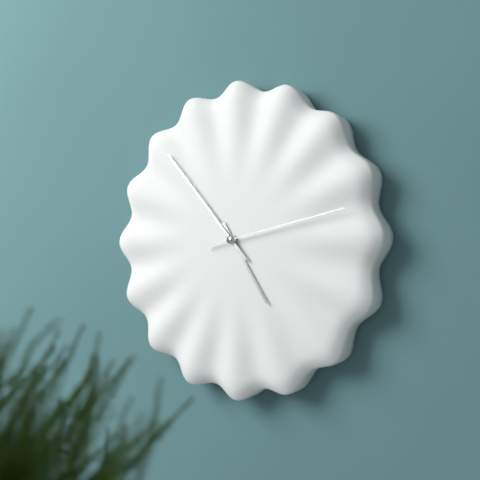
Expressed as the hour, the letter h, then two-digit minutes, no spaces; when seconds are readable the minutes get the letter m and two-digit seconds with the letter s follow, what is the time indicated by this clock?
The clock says 4h53m13s
